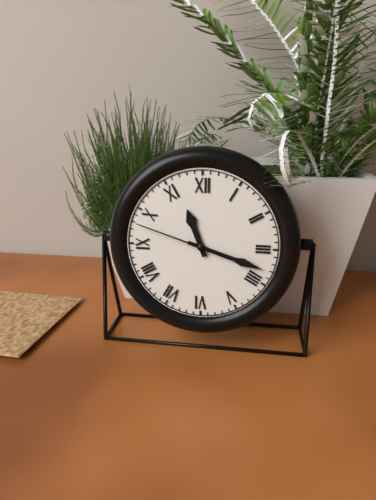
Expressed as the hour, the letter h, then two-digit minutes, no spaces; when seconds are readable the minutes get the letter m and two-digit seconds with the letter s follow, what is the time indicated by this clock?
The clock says 11h18m48s
